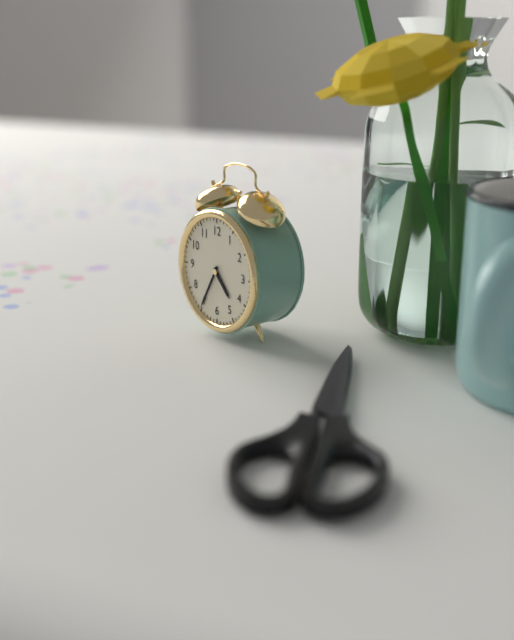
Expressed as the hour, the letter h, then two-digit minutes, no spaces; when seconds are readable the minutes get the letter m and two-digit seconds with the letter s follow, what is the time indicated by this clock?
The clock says 4h35
